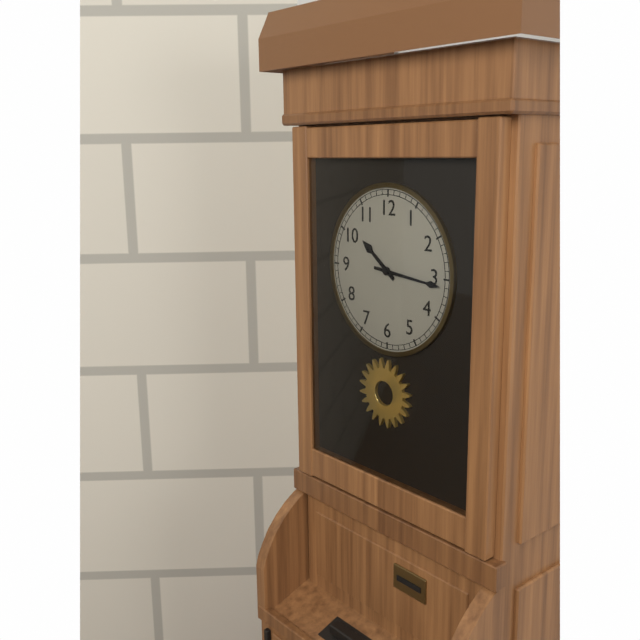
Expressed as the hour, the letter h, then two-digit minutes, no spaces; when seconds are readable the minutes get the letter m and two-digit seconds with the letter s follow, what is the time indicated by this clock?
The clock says 10h16
